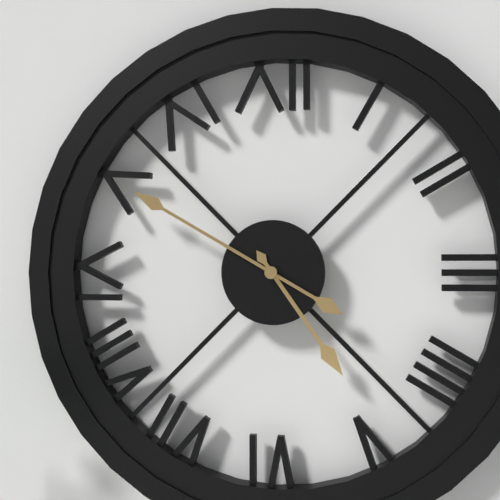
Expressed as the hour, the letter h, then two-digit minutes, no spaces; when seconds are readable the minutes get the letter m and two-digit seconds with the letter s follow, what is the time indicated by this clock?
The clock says 4h50
